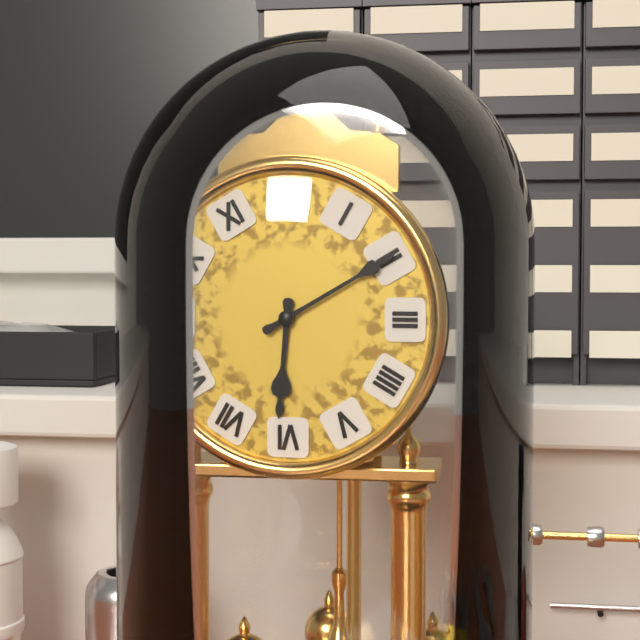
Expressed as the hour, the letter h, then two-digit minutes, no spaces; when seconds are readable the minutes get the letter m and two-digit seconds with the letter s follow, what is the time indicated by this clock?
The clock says 6h10
